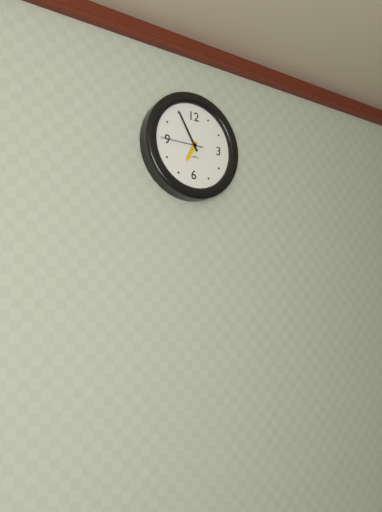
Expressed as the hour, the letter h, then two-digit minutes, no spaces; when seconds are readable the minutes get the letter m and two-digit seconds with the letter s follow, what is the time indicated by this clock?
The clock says 6h55
